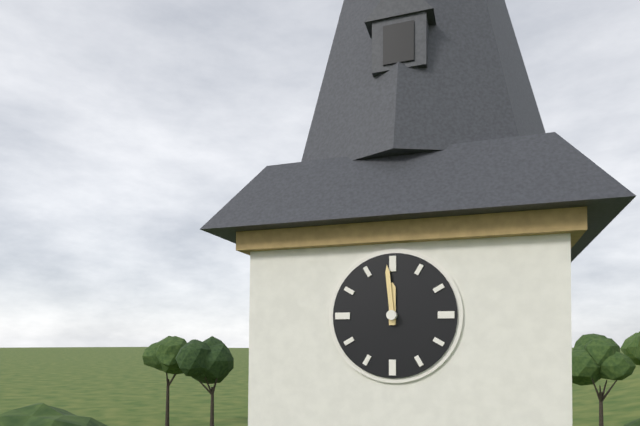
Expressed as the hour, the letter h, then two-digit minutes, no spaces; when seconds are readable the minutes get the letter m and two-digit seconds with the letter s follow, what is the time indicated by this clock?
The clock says 11h59
